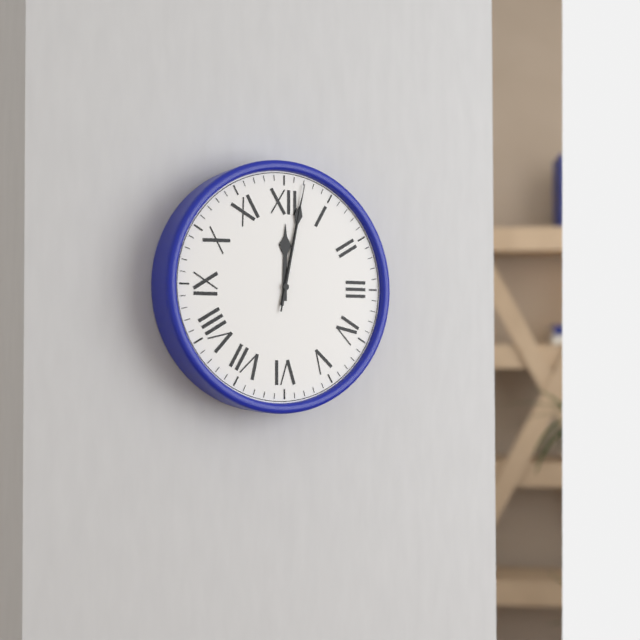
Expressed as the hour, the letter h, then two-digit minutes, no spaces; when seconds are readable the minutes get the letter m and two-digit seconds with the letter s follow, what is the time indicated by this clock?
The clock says 12h02m02s
